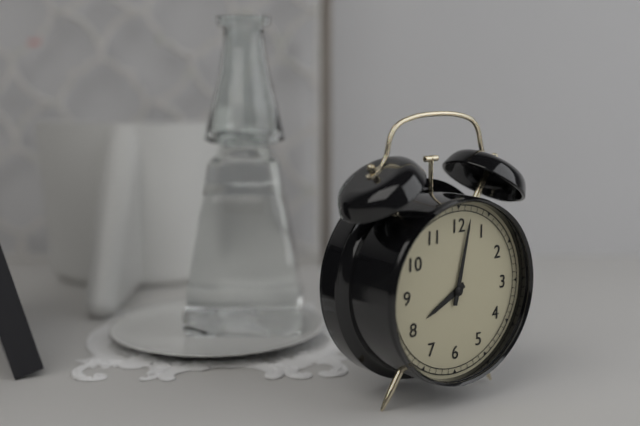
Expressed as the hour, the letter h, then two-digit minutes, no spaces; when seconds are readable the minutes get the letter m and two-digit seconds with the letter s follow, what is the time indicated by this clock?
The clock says 8h02
